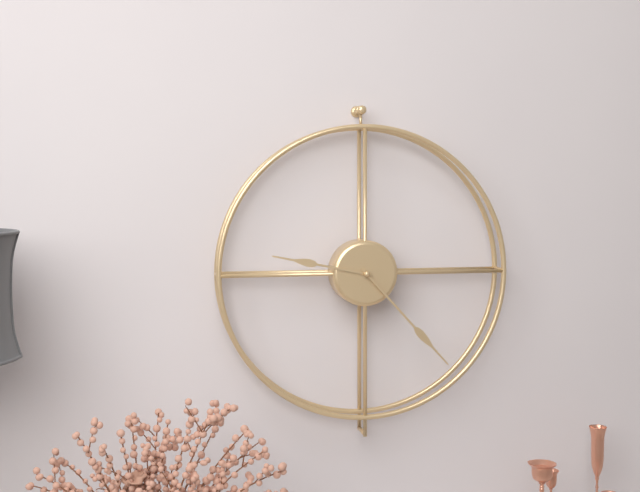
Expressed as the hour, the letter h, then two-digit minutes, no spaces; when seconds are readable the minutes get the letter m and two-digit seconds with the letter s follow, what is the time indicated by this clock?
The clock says 9h23
